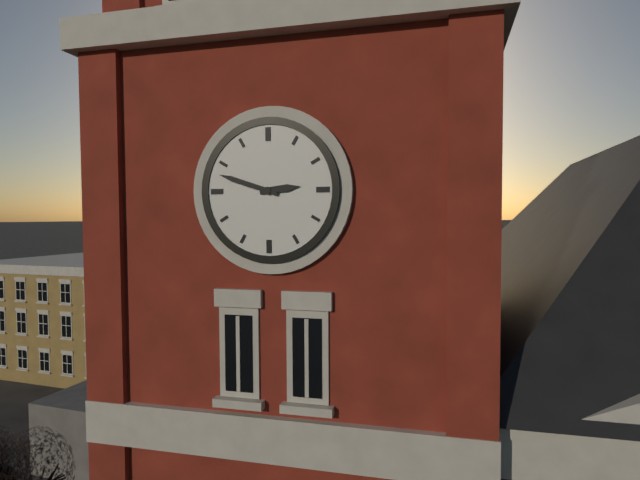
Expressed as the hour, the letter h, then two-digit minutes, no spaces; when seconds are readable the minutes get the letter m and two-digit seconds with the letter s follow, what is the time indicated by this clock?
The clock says 2h48
